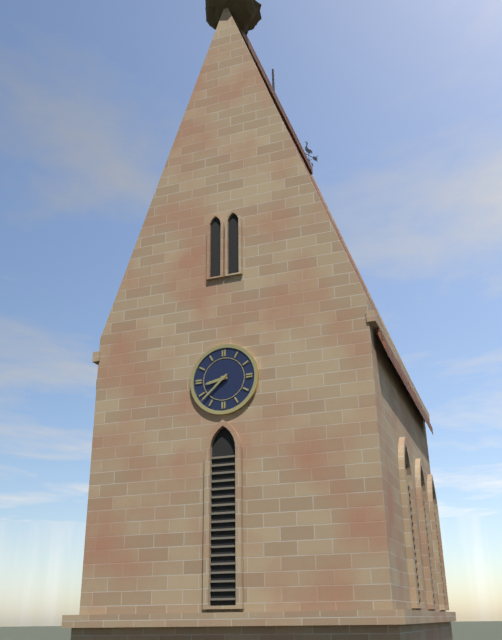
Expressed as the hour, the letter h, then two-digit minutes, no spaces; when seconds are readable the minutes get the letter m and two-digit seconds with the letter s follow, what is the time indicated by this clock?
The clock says 8h38
